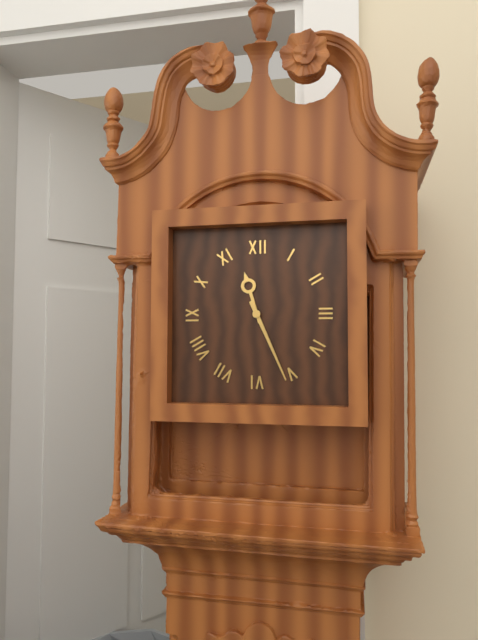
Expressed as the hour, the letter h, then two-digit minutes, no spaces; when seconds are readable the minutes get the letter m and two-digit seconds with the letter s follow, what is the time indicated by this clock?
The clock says 11h26
